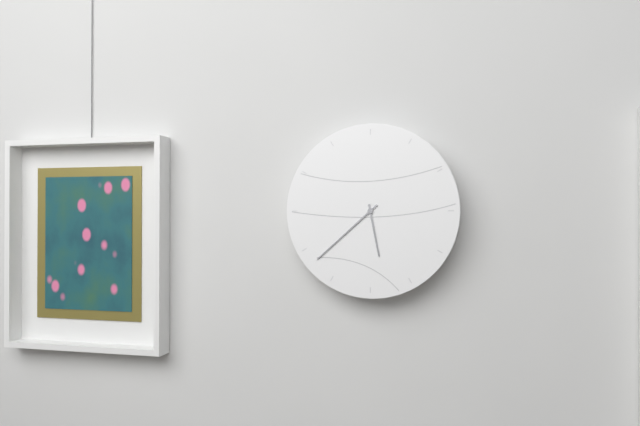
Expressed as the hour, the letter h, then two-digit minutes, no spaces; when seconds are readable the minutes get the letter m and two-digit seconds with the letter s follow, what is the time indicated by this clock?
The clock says 5h38
